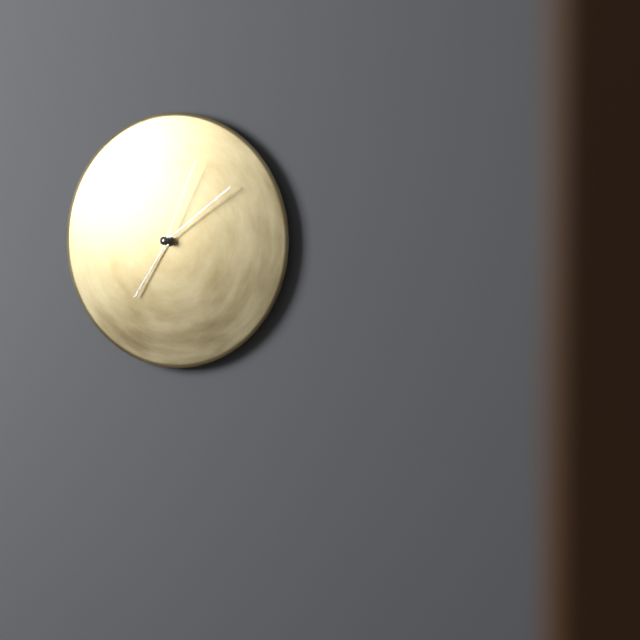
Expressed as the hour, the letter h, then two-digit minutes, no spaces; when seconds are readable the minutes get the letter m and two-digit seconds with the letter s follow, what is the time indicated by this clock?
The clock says 7h09m04s
